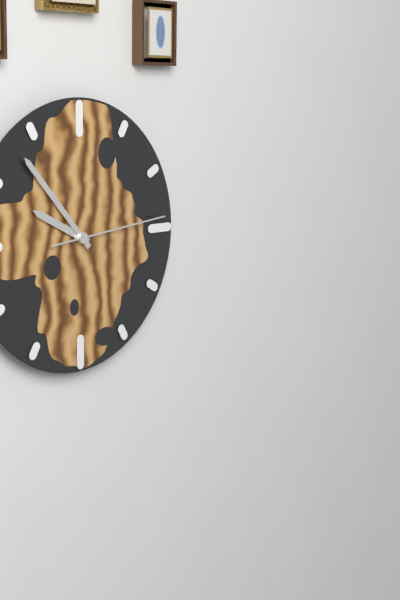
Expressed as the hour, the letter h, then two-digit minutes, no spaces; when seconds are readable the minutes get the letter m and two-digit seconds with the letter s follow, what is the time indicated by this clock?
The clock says 9h53m14s
